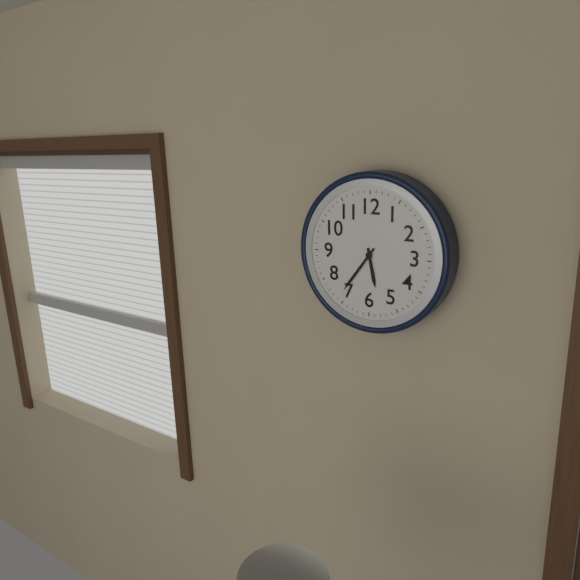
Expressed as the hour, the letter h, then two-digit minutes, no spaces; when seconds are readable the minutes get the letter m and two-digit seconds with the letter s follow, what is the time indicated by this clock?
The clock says 5h36
